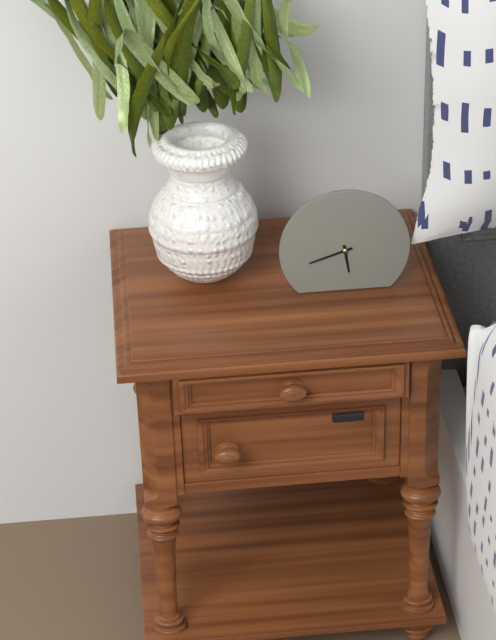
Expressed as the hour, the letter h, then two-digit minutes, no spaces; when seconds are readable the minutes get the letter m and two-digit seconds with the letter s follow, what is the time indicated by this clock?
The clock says 5h42
